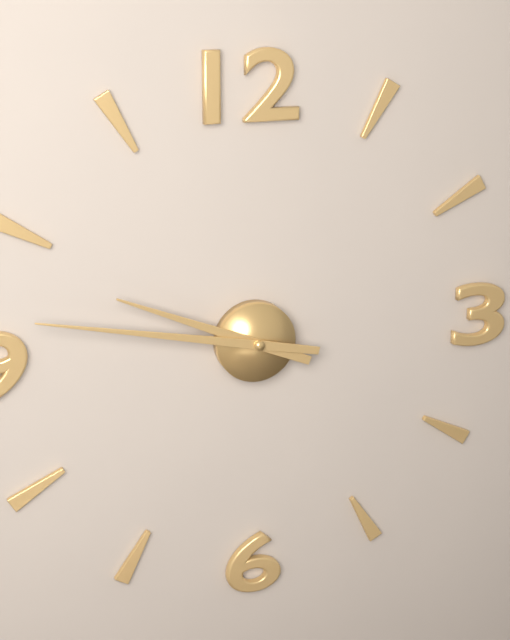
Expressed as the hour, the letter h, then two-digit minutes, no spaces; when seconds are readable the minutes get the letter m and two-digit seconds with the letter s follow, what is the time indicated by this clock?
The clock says 9h47
